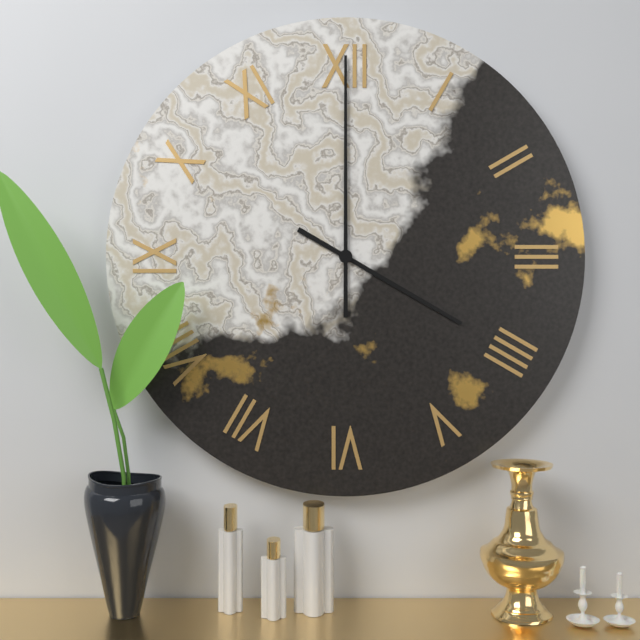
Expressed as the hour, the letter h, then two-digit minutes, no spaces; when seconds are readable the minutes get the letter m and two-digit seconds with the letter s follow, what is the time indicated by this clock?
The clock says 4h00
